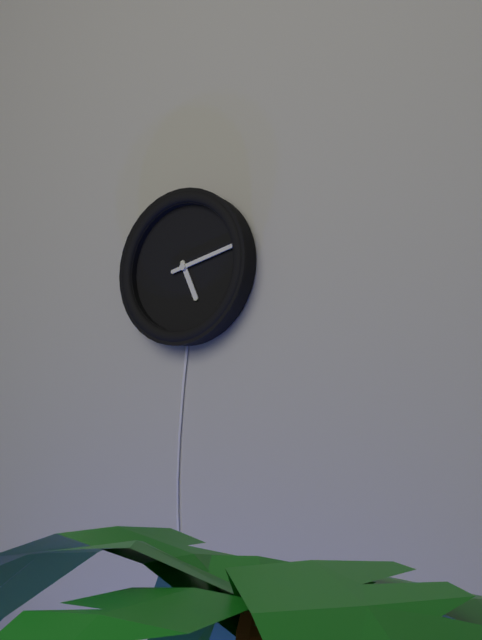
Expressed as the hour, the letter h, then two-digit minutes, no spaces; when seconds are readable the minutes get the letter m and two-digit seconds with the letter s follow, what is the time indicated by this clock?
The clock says 5h13
